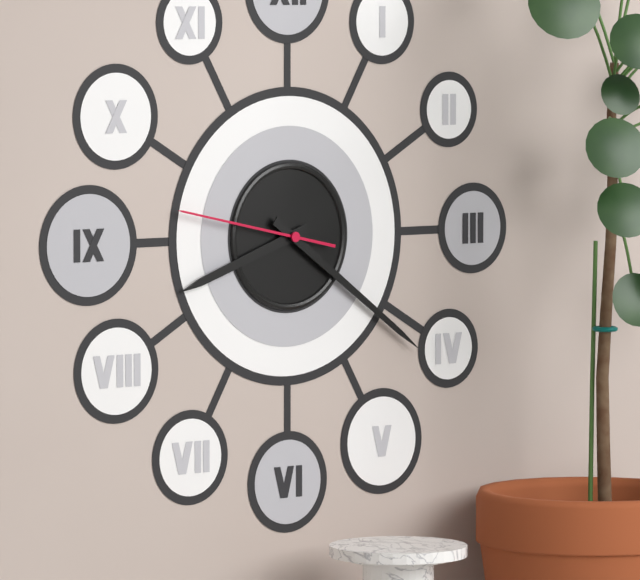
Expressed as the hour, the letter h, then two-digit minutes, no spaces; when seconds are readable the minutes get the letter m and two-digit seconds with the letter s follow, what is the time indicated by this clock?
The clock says 8h21m47s
